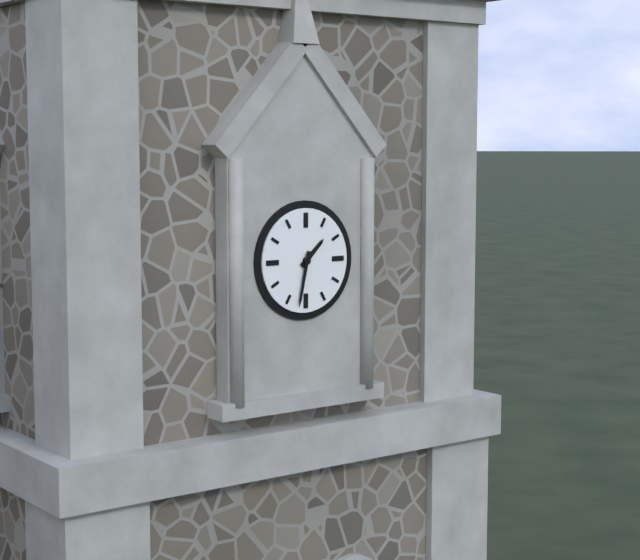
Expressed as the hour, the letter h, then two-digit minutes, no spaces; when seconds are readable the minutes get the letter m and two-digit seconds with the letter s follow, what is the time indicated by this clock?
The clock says 1h32
